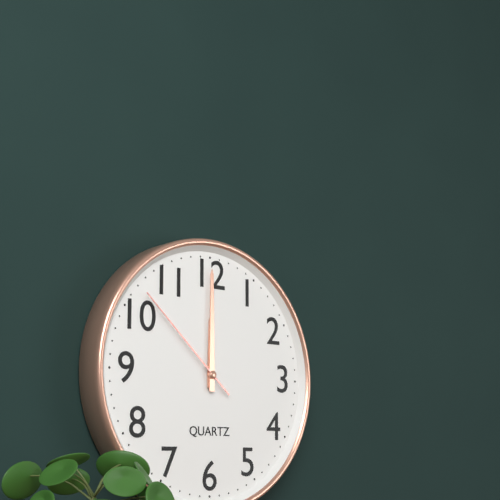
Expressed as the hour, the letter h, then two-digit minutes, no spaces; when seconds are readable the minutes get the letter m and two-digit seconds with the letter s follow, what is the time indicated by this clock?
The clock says 12h00m52s
